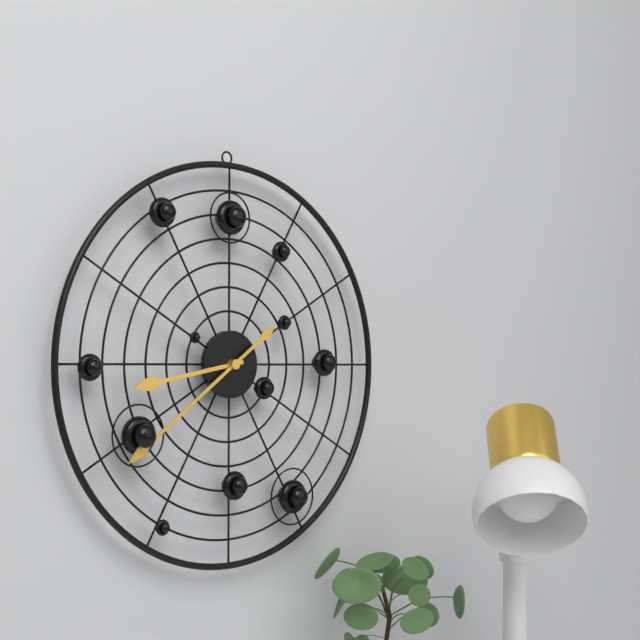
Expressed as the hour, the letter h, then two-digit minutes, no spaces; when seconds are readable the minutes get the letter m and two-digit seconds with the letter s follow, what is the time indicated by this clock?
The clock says 8h39
